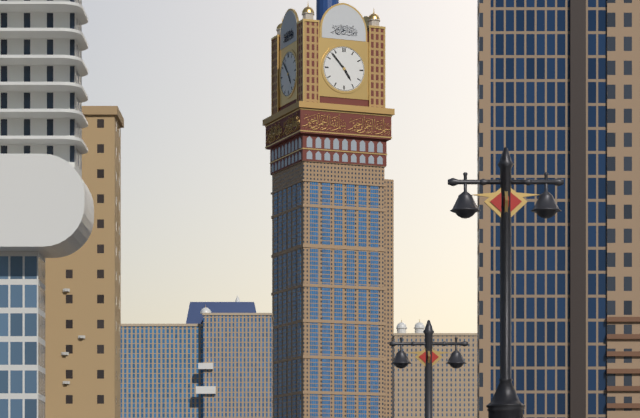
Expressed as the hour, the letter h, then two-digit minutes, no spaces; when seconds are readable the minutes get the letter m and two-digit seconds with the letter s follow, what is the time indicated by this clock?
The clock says 4h53
